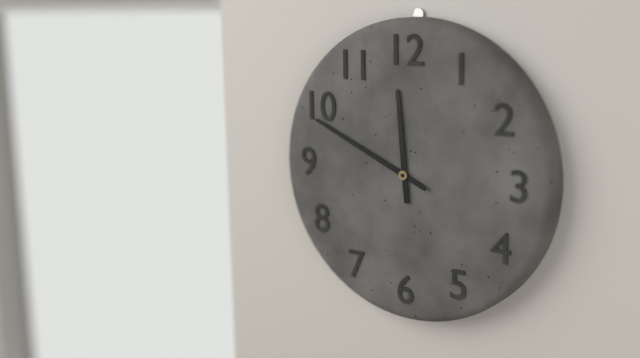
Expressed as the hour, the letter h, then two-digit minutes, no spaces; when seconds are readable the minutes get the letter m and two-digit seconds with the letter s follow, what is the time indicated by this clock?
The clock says 11h49
